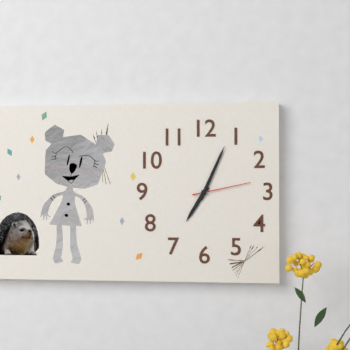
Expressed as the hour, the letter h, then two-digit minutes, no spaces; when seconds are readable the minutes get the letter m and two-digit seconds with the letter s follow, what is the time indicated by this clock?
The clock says 7h04m13s
